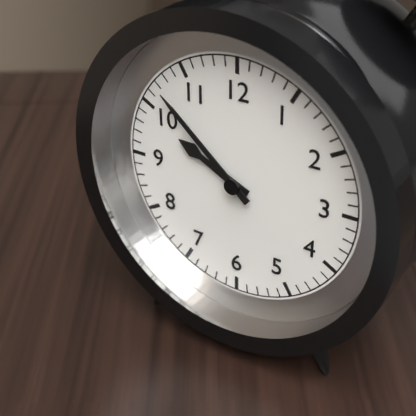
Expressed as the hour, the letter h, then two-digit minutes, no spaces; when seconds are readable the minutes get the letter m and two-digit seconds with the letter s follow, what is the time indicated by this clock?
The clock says 9h52
